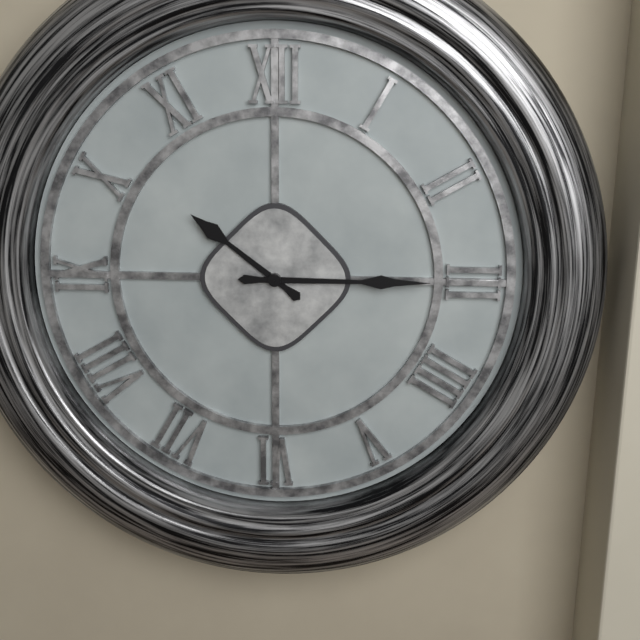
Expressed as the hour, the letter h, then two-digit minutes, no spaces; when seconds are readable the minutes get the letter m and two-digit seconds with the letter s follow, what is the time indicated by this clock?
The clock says 10h15
